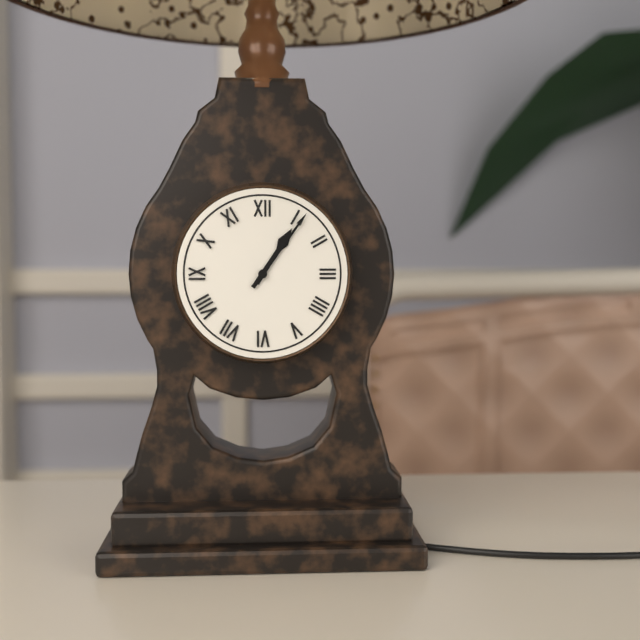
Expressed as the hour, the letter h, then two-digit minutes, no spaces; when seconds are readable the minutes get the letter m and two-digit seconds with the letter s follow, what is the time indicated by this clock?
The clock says 1h06
